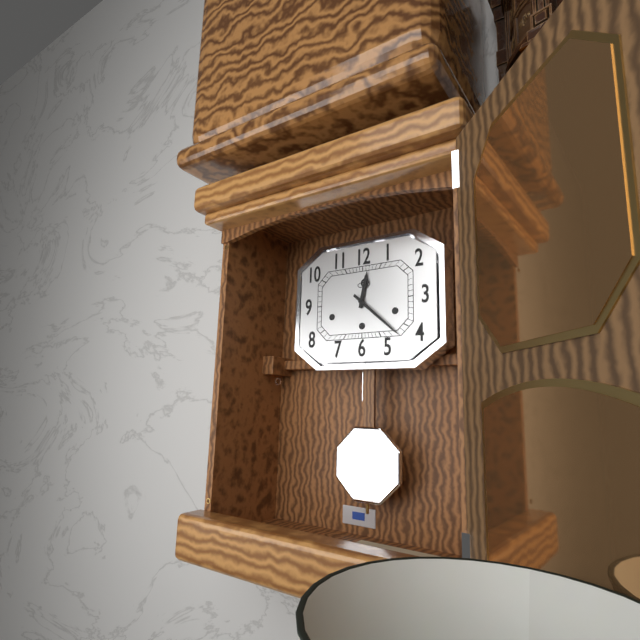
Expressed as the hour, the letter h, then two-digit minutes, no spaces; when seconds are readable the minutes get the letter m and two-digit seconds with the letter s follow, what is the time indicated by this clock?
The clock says 12h22
